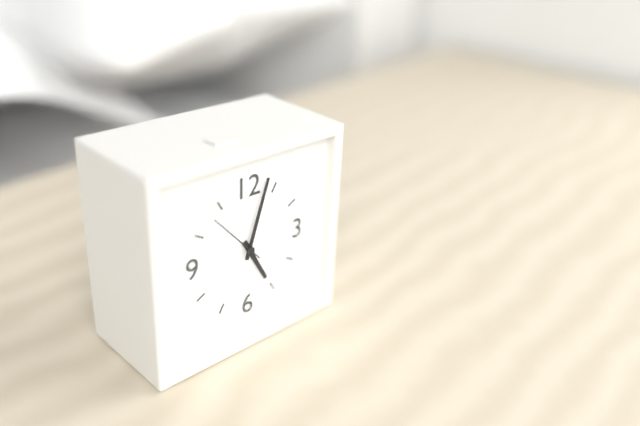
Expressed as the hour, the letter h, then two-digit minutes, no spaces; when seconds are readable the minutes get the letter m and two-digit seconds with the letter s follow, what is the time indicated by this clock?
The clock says 5h03m53s
